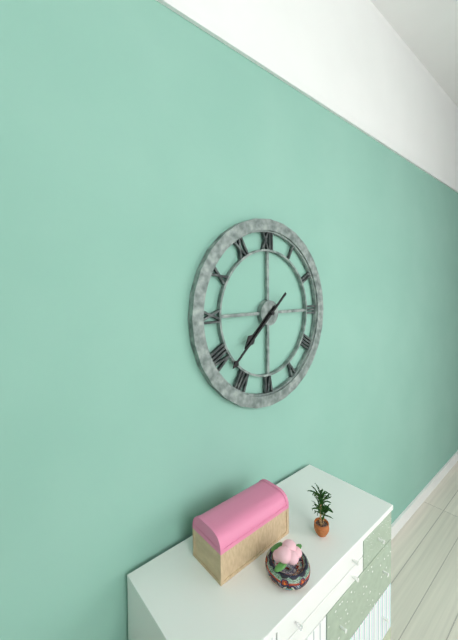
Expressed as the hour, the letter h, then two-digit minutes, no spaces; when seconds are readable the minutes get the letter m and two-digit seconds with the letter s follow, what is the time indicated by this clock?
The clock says 7h38
